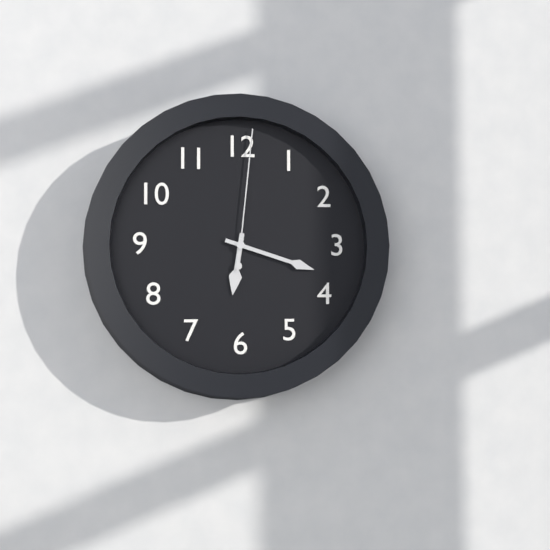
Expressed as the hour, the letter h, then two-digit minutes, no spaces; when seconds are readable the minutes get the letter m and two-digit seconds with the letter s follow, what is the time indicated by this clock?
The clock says 6h18m01s
